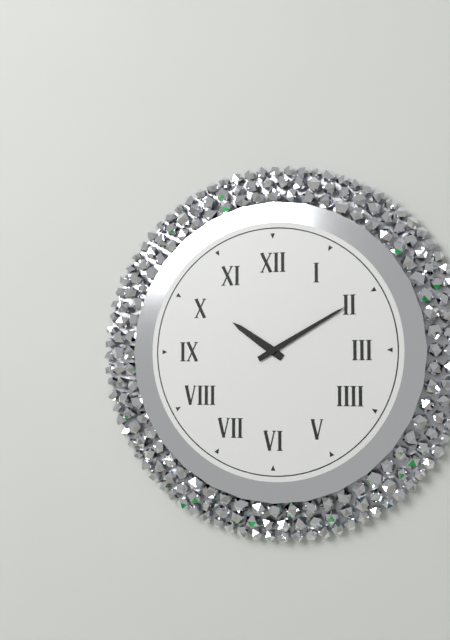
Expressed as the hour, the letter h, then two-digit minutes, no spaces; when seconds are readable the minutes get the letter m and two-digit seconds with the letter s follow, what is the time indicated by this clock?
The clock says 10h10
